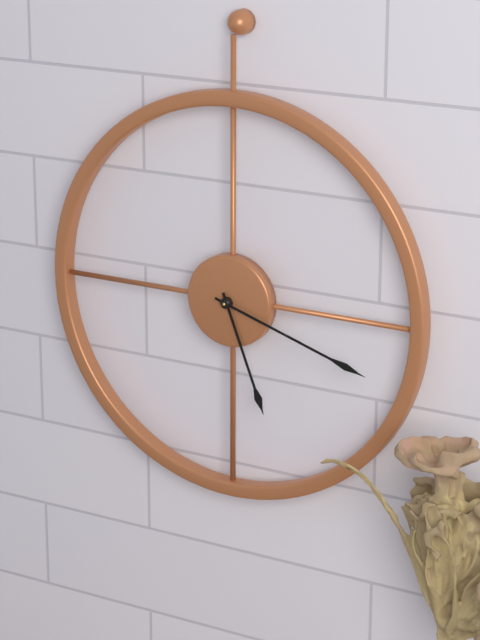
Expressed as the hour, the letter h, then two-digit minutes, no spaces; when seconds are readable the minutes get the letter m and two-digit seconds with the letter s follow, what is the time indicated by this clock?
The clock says 5h18
